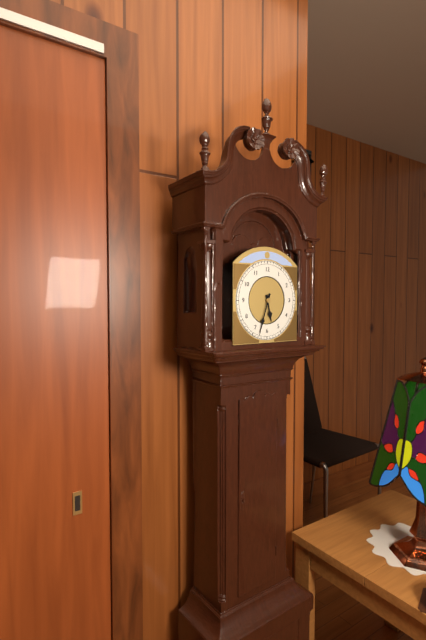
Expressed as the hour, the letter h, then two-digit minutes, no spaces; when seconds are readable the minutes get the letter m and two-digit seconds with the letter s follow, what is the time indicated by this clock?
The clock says 5h33
